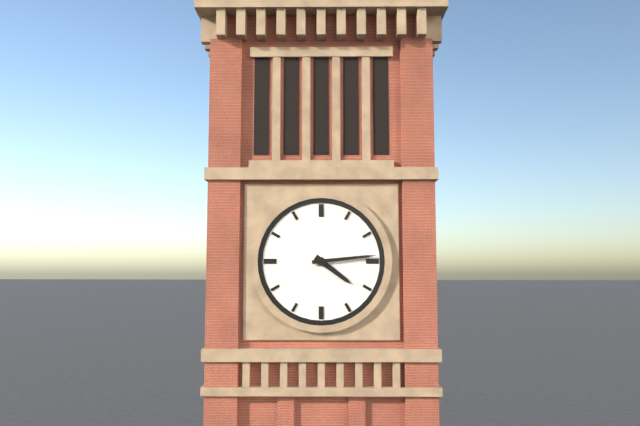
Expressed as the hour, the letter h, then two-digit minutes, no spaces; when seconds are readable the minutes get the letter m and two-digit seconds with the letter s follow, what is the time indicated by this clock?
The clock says 4h14
